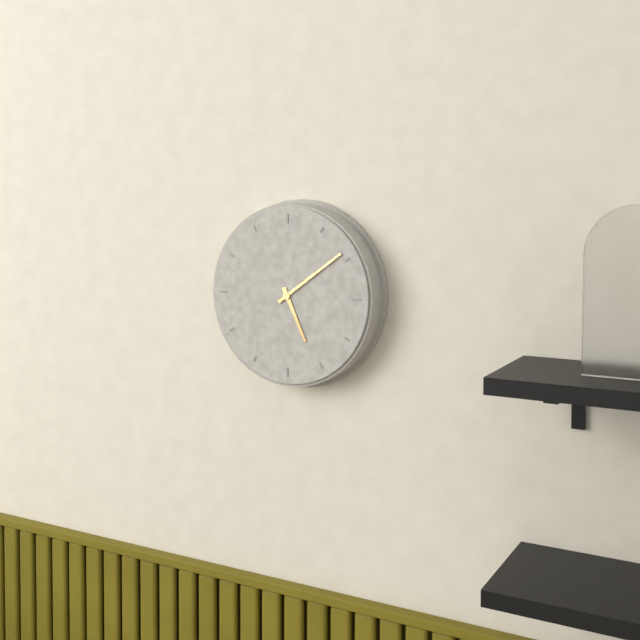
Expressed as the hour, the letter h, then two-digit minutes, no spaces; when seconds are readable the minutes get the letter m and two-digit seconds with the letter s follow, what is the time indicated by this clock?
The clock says 5h09
